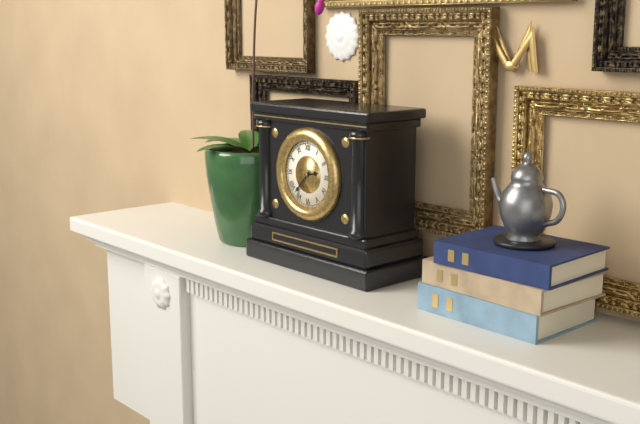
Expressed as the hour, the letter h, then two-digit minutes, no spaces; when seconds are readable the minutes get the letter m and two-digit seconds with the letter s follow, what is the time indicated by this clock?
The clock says 2h37
